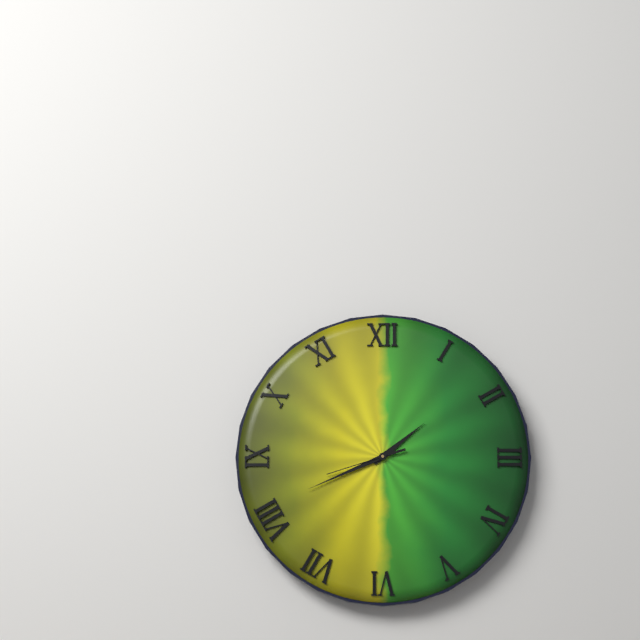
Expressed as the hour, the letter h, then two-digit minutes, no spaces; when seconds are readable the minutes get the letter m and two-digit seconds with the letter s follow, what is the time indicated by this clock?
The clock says 1h41m42s
